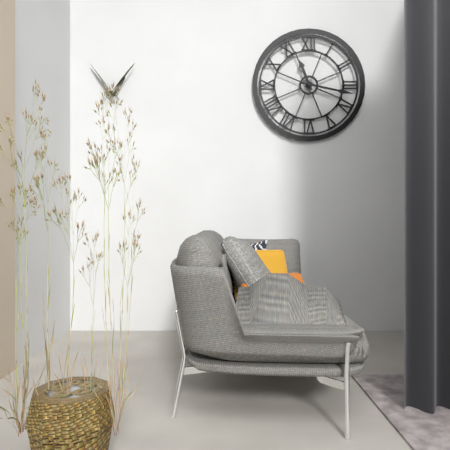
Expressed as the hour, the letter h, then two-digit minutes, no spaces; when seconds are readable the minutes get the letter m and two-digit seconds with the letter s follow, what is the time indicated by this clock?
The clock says 11h17
